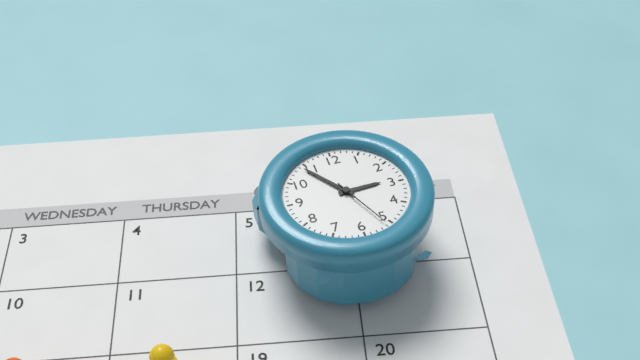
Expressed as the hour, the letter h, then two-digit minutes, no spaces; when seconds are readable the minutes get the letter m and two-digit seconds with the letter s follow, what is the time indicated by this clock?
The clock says 2h54m26s
